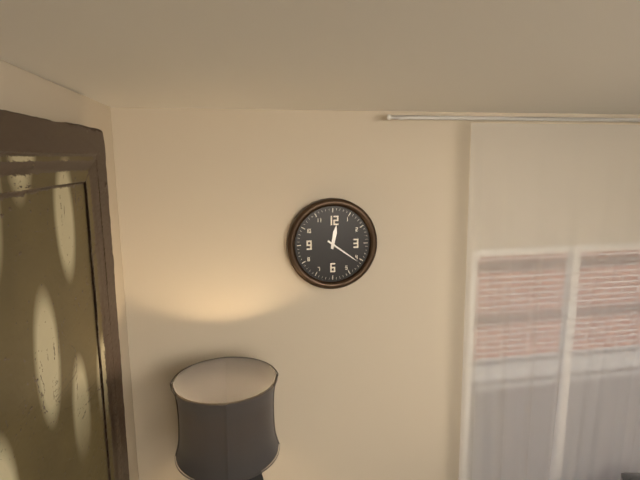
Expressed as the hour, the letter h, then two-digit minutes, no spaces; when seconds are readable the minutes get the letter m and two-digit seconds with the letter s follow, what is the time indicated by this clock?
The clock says 12h21
